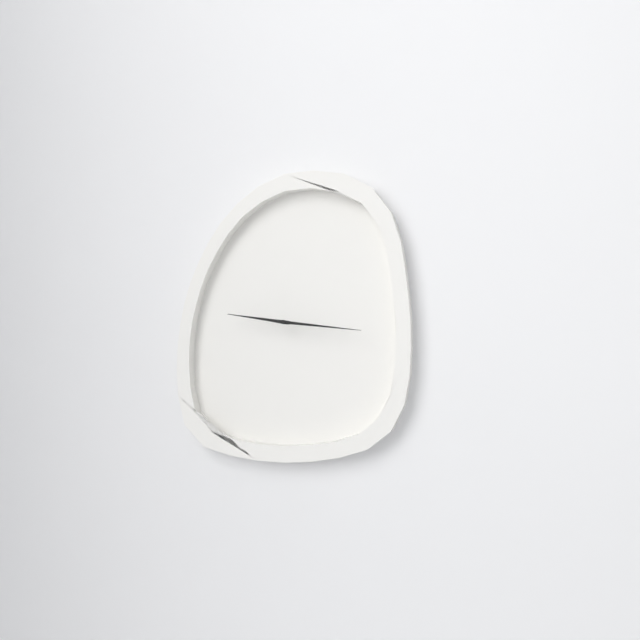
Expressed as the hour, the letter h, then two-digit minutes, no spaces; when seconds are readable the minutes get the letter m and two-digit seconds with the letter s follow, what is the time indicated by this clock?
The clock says 9h16
